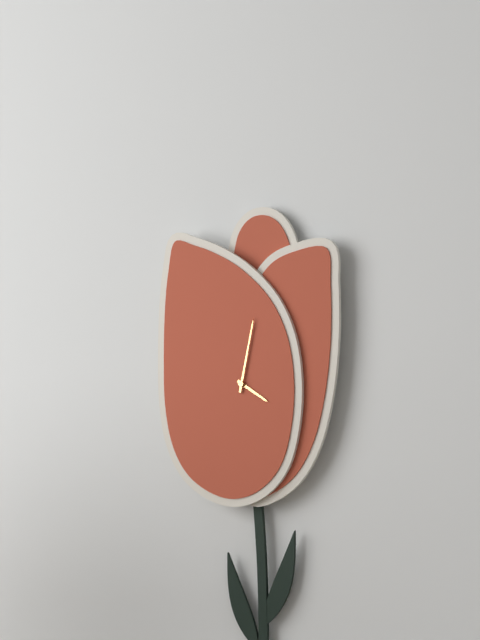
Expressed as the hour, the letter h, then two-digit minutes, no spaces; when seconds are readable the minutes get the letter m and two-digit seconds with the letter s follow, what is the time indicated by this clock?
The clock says 4h02
